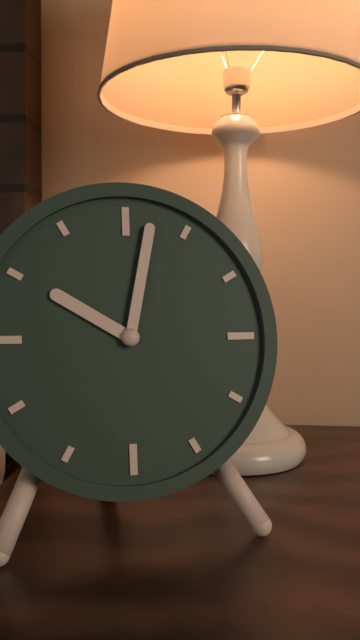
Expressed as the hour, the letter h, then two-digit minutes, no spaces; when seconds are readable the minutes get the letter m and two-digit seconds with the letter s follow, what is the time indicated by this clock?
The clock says 10h02
